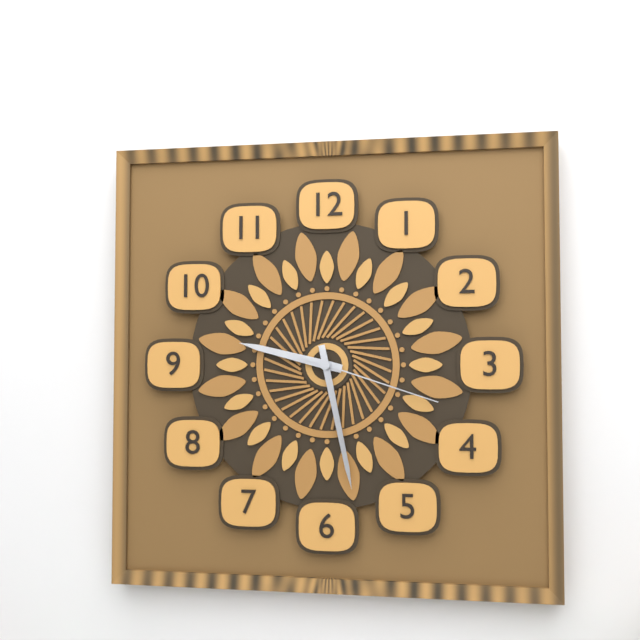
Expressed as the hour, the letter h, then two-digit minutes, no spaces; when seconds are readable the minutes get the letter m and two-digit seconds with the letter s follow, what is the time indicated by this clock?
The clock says 9h28m18s
